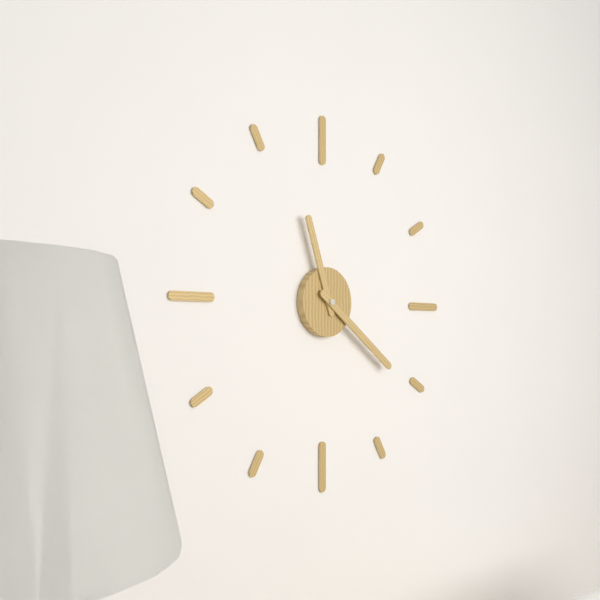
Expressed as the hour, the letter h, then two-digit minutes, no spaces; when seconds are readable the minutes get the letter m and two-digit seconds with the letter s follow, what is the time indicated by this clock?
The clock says 11h21
